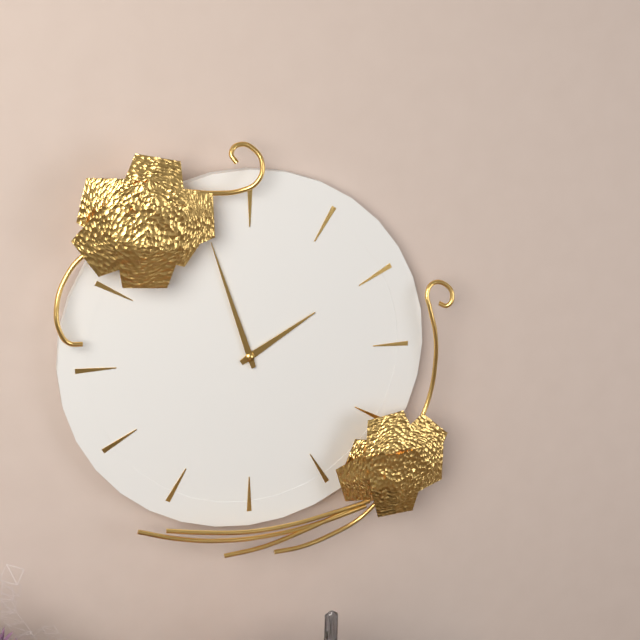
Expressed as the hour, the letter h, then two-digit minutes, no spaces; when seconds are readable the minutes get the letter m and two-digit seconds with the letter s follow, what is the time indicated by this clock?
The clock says 1h57
